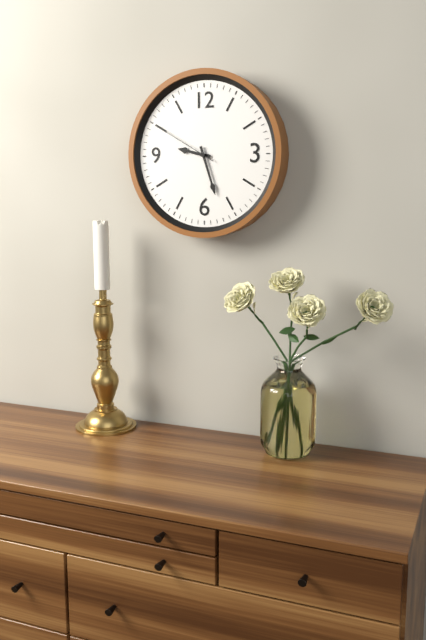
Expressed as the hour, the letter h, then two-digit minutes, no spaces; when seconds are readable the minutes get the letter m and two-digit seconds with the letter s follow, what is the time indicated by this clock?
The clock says 9h27m50s
